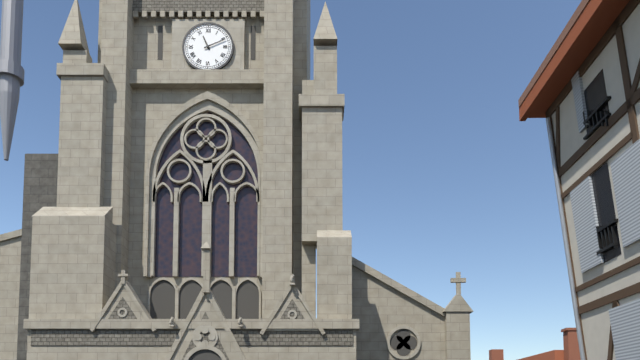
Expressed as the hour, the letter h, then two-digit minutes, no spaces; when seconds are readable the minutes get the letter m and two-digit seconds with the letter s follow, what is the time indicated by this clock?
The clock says 11h11
